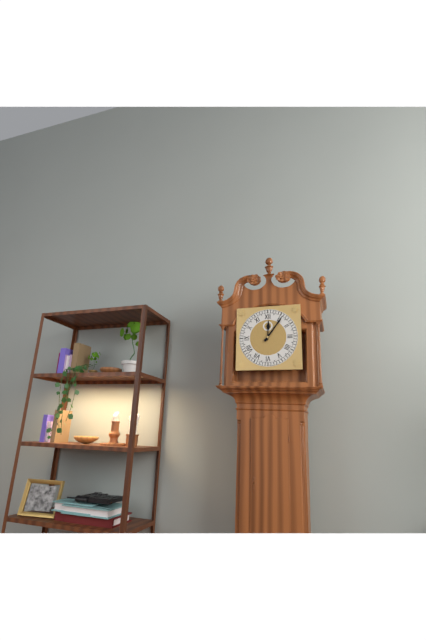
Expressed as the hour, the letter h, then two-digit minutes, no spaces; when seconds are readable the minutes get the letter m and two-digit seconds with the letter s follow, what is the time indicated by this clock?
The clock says 12h06
